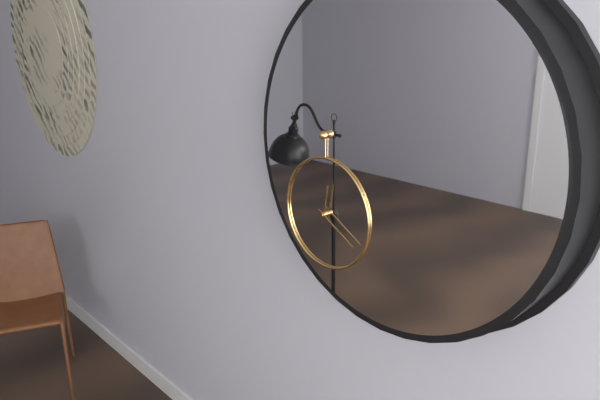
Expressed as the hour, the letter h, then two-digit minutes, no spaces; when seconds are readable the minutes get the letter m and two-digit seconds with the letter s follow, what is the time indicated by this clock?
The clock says 12h20
